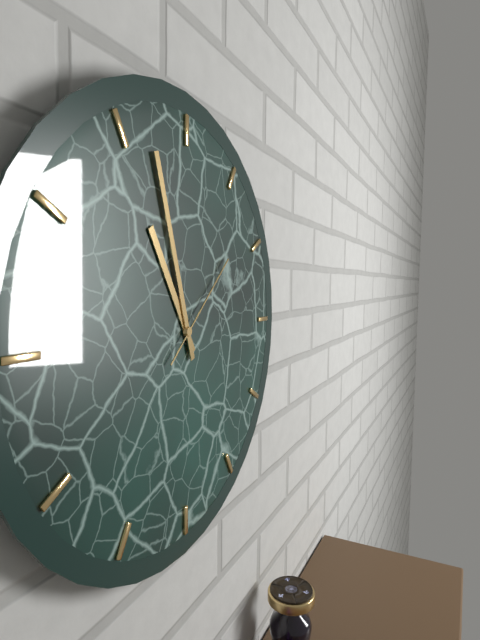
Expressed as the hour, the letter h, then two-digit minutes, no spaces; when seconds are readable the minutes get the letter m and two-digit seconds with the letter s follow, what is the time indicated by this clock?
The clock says 10h57m08s
